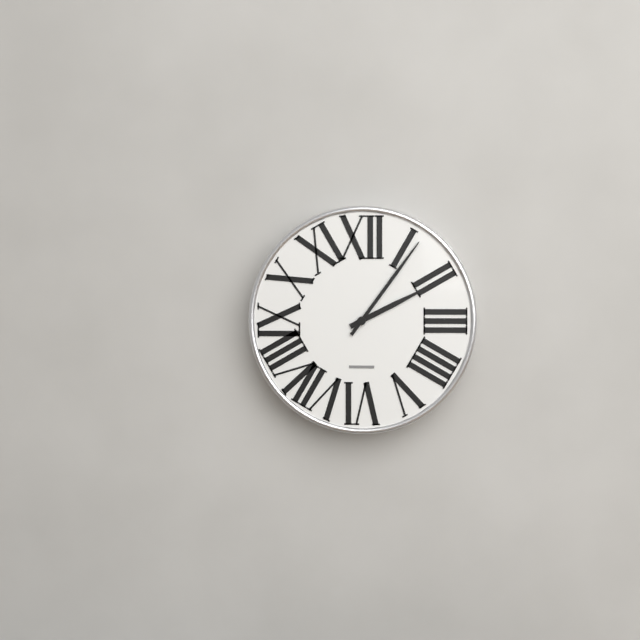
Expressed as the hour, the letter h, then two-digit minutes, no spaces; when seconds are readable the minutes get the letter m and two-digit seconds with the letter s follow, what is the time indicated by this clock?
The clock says 2h06
